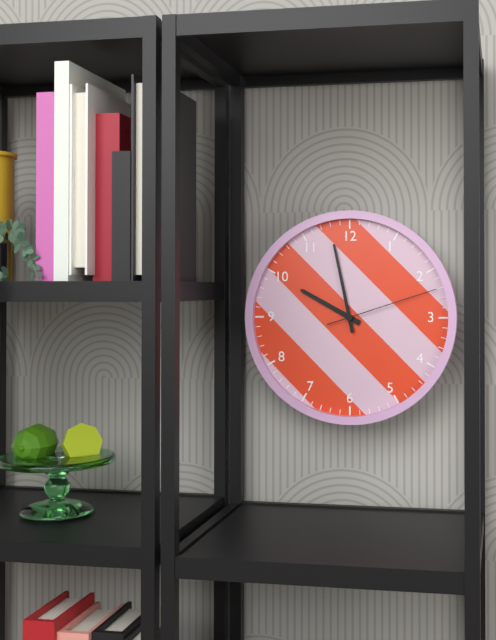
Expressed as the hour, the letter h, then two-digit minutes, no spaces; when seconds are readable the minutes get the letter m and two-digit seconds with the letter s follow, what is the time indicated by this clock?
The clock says 9h58m12s
